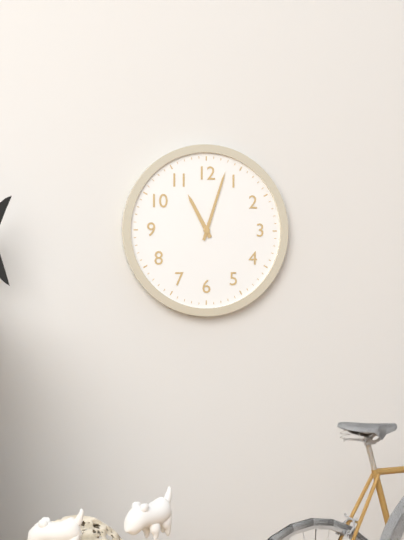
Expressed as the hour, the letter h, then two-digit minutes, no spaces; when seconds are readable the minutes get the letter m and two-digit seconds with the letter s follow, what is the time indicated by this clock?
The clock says 11h03
